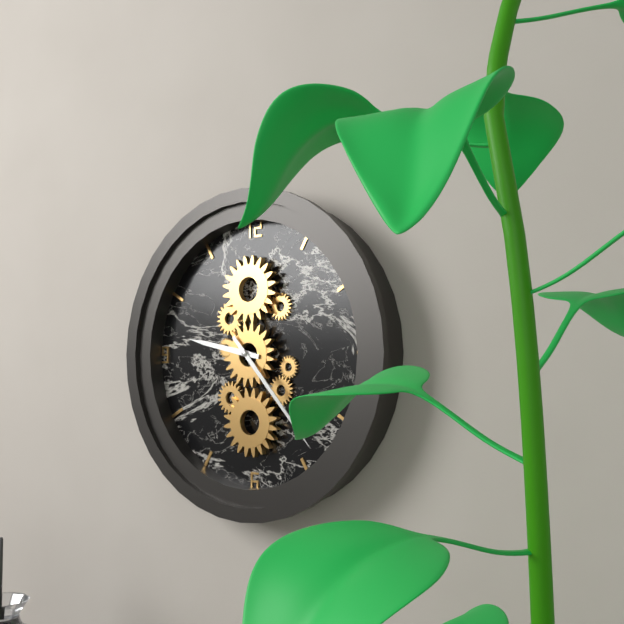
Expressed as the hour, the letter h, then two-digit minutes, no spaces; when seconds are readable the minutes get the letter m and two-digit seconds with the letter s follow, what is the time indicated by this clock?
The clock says 9h23
